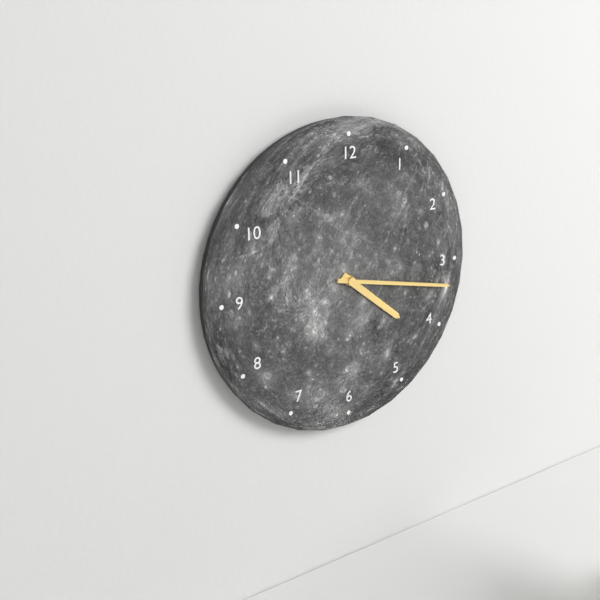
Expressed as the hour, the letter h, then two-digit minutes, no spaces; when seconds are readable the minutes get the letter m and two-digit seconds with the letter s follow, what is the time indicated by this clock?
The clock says 4h17
